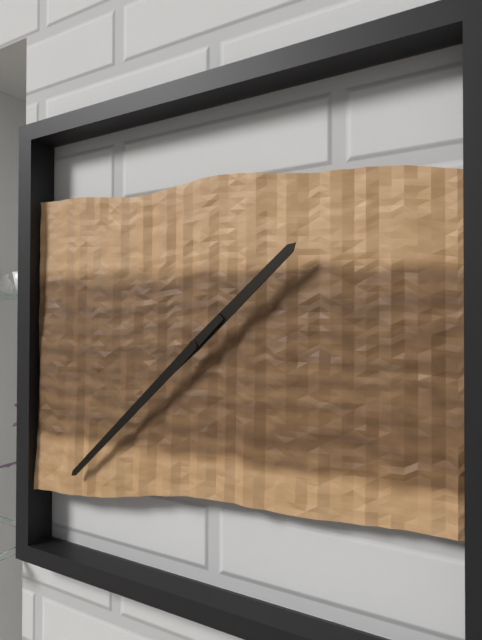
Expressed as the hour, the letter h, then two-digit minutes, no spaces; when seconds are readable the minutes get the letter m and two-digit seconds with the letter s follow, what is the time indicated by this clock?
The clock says 1h38
